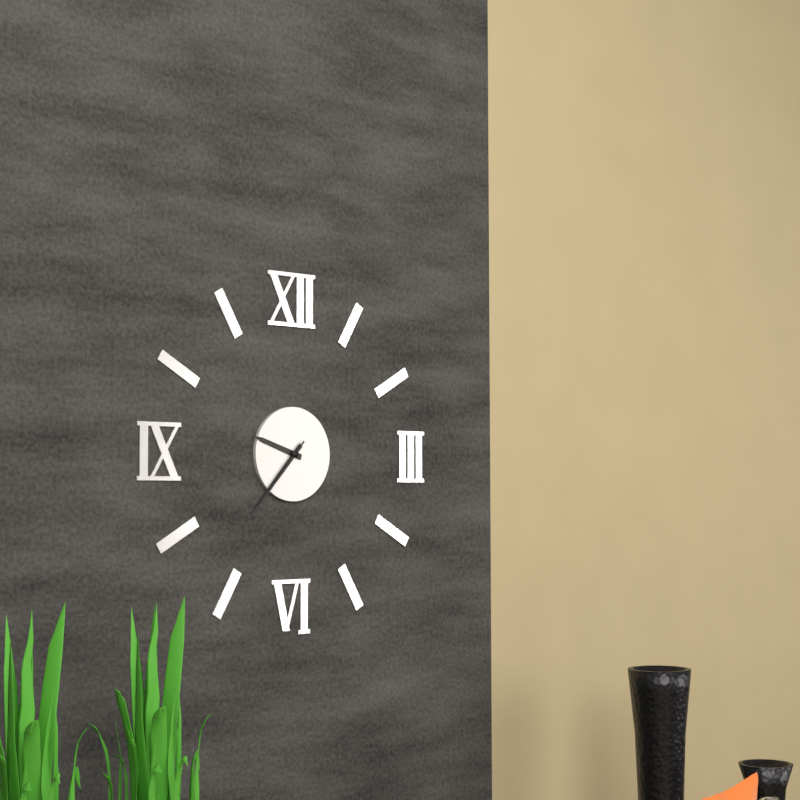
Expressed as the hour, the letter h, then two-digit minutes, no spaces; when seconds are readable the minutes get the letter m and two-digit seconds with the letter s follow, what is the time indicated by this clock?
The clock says 9h37m37s
